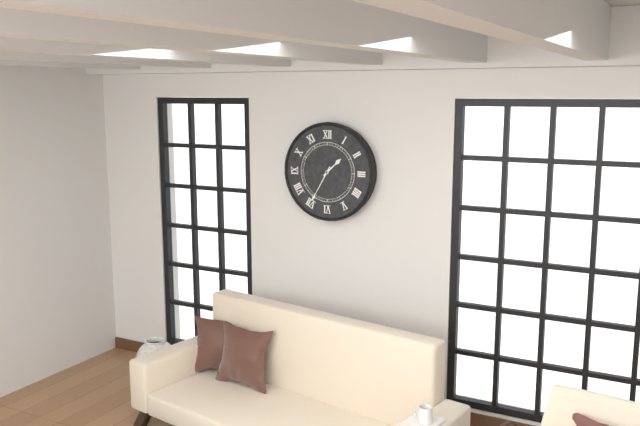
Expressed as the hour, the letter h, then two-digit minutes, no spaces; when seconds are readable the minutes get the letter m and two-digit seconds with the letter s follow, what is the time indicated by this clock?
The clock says 1h35
